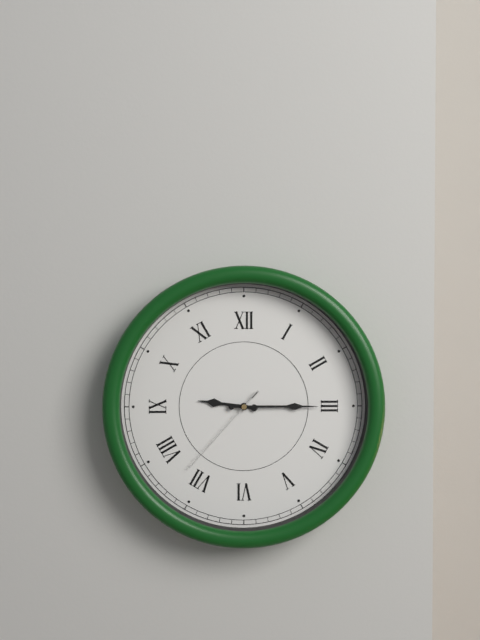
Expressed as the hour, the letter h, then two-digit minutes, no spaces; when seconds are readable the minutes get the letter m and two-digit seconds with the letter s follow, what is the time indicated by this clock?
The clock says 9h15m37s
